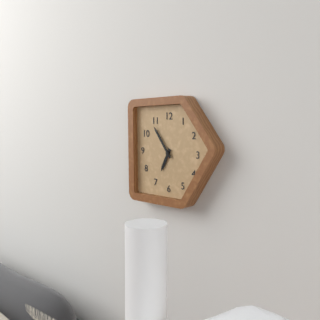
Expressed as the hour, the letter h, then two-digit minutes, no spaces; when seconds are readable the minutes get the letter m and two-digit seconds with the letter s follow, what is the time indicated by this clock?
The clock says 6h54
